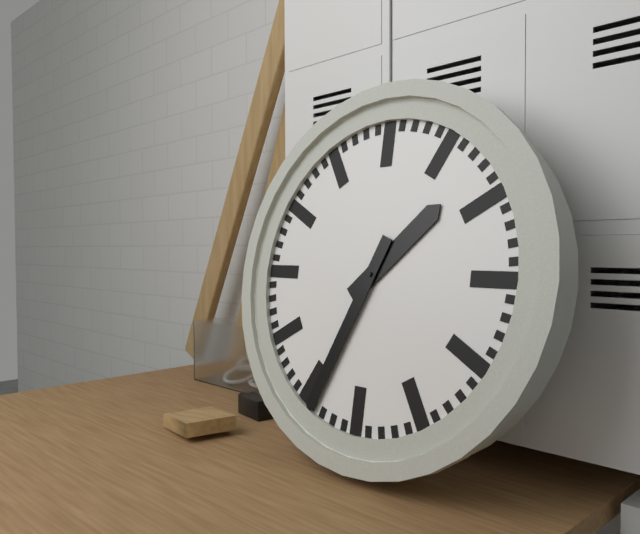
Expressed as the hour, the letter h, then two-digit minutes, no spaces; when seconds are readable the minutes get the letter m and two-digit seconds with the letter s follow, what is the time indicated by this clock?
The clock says 1h34
